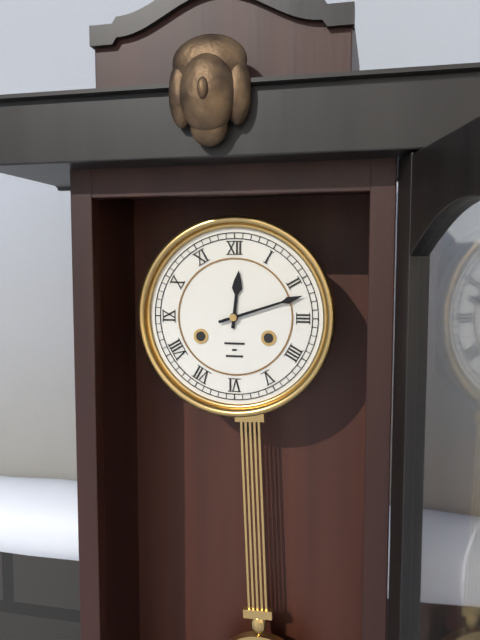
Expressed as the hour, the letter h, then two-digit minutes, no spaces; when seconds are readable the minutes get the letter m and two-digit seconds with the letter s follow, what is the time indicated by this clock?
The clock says 12h12
